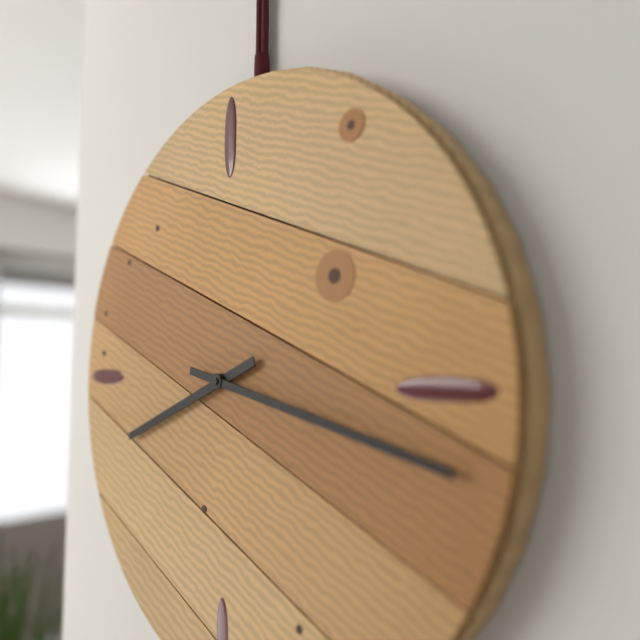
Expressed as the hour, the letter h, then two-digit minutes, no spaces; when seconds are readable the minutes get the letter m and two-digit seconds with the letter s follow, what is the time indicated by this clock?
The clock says 8h17
